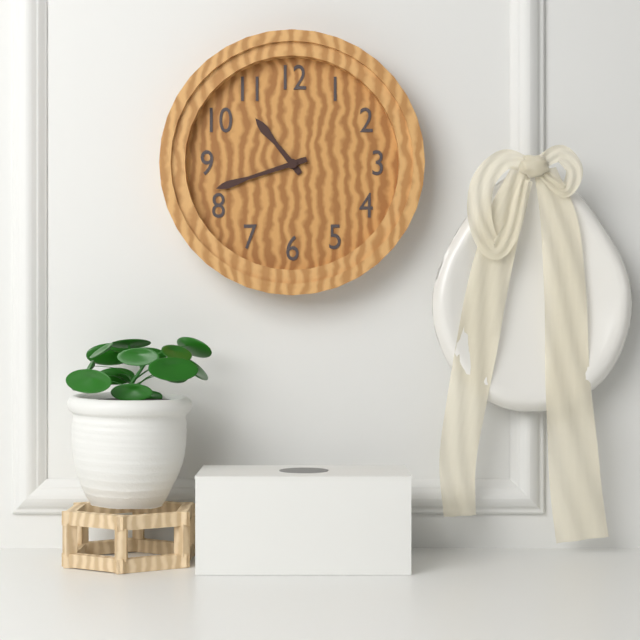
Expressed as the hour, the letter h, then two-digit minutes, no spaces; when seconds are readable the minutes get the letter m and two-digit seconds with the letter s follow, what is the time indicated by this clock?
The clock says 10h42
